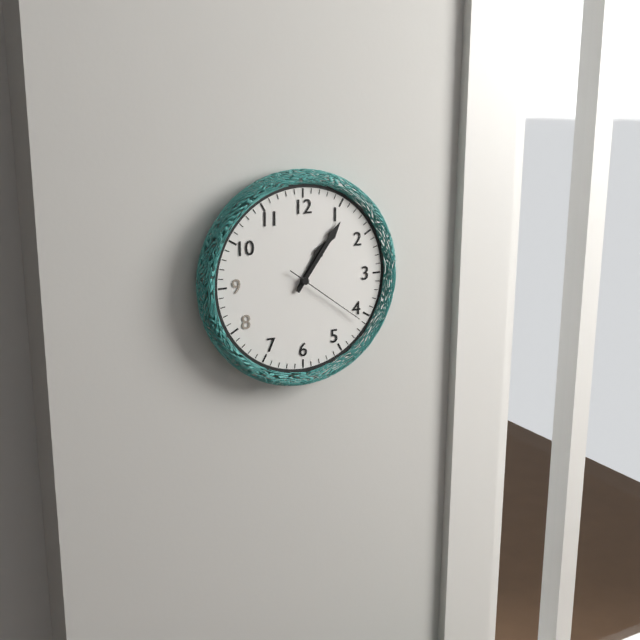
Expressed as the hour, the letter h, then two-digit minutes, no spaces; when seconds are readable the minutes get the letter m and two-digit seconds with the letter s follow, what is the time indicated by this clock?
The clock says 1h06m21s
